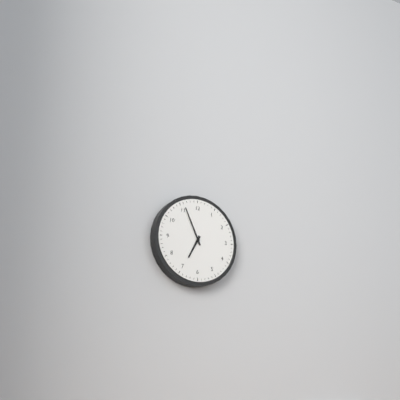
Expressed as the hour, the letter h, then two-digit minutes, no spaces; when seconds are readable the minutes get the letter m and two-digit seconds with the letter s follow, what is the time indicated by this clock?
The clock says 6h56
